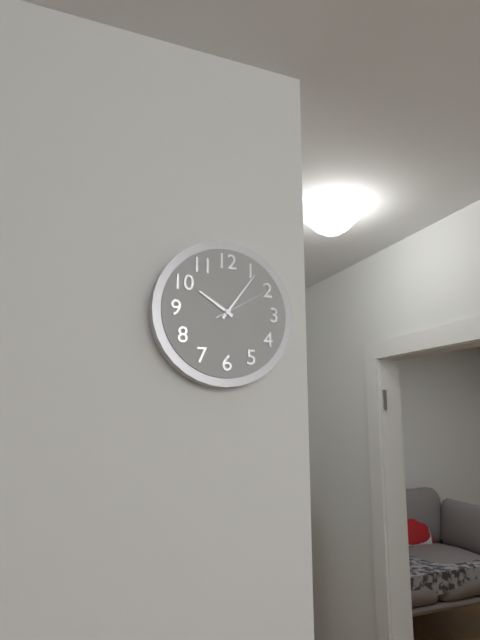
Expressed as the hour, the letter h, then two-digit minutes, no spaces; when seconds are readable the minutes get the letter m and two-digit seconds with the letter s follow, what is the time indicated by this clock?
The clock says 10h06m10s
